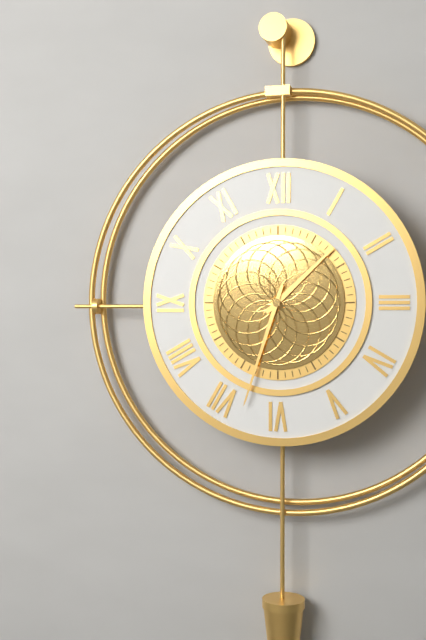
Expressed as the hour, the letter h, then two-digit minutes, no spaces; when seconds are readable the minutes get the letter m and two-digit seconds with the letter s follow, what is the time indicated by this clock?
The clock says 1h33
